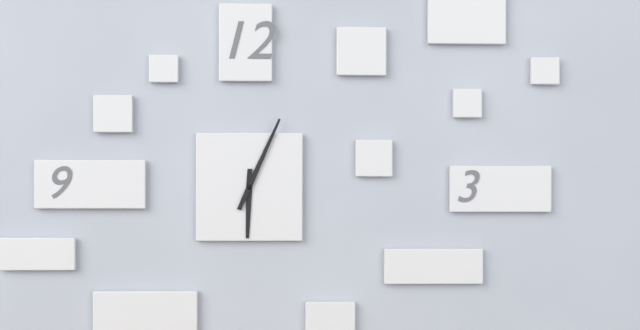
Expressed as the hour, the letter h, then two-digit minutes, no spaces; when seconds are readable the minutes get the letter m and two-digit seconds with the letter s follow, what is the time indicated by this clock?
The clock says 6h04
